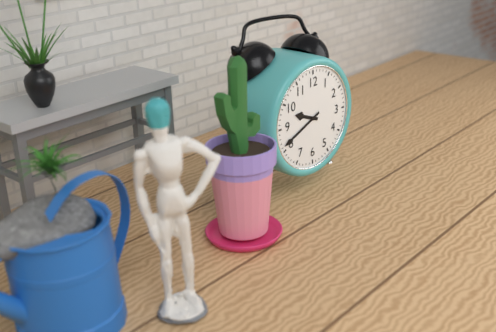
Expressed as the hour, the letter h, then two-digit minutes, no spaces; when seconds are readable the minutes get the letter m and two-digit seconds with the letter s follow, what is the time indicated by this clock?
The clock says 9h41
